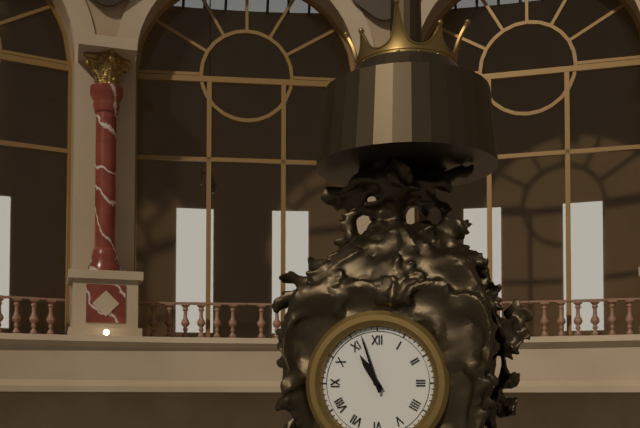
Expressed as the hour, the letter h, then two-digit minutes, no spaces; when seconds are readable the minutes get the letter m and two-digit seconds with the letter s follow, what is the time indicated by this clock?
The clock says 10h57
